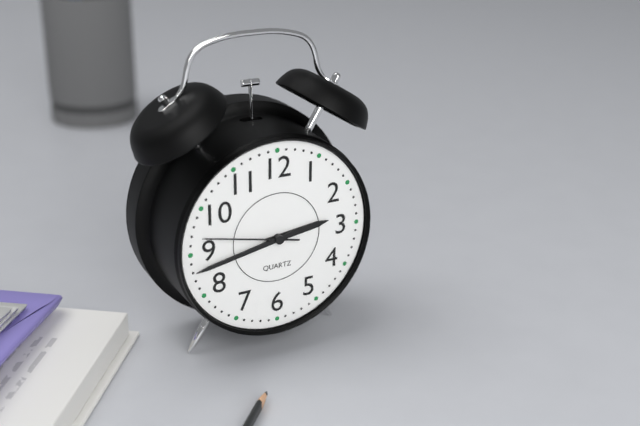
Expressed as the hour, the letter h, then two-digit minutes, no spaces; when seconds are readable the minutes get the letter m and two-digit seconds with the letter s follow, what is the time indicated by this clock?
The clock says 2h43m47s
